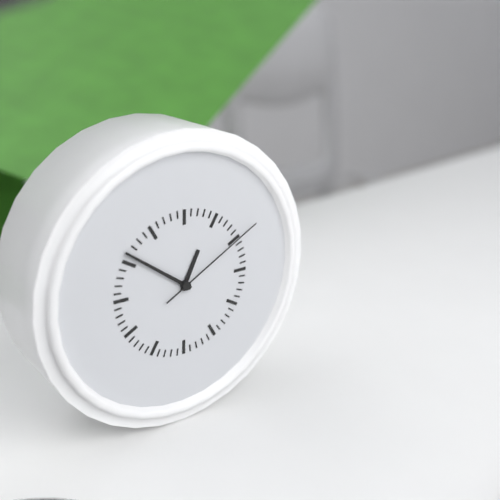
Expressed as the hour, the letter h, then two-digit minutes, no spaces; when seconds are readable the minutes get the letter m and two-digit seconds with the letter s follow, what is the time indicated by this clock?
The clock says 12h51m10s
